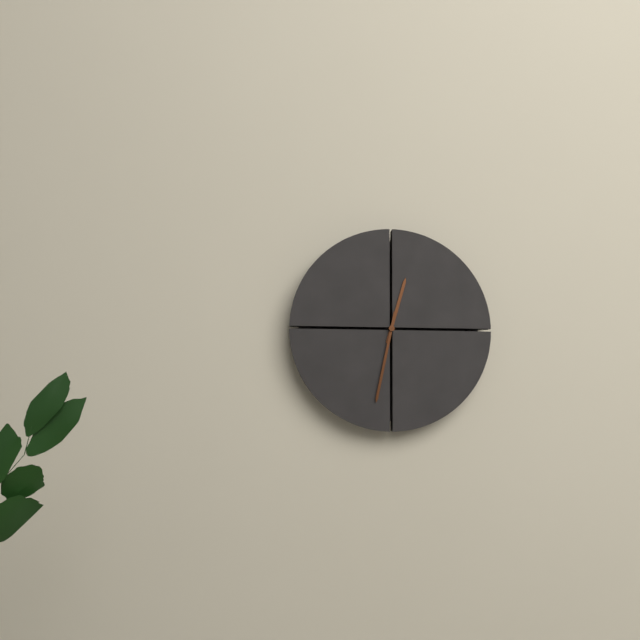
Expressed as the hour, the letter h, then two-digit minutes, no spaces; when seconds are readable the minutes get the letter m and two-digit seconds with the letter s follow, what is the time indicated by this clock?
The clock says 12h32
